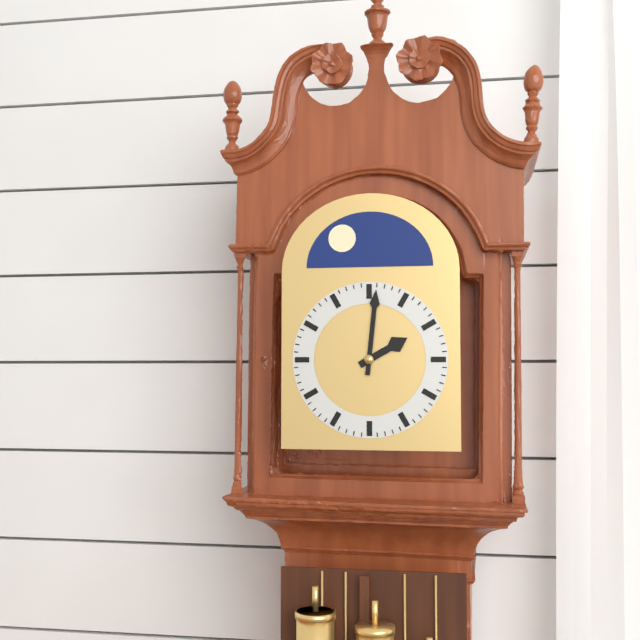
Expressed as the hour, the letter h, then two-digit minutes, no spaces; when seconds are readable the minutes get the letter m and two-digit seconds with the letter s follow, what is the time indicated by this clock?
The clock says 2h01
